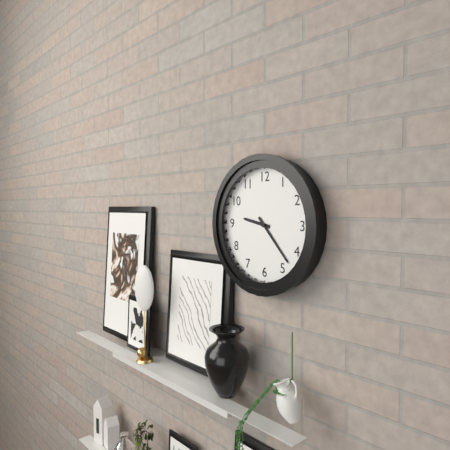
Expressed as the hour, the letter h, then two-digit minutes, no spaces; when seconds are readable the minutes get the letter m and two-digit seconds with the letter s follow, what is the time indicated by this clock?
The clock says 9h23
